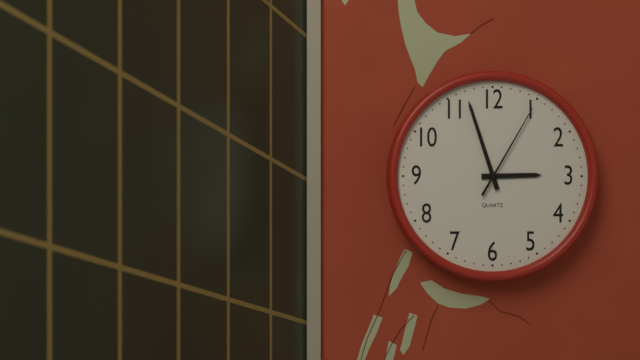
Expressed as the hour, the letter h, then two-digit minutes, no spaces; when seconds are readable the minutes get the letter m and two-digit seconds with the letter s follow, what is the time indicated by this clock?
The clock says 2h57m05s
